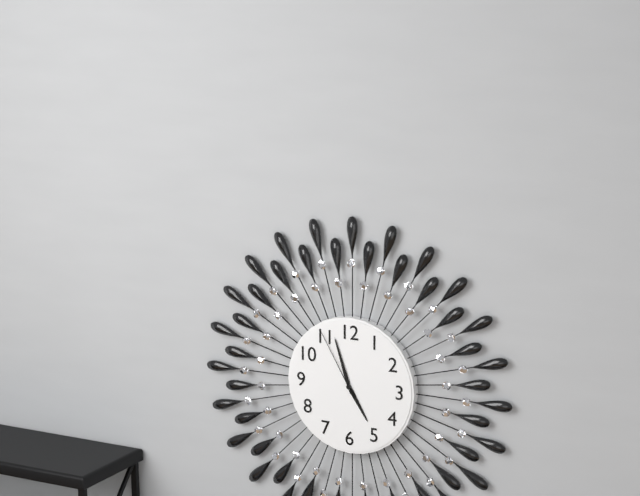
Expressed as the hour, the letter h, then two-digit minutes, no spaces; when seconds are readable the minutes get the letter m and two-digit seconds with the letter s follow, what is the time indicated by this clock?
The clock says 4h57m55s
